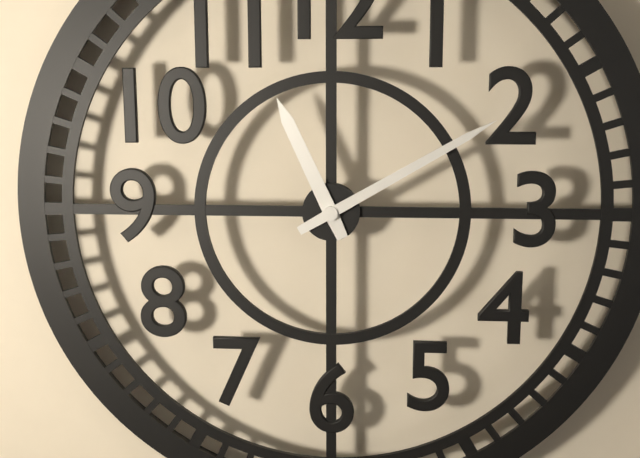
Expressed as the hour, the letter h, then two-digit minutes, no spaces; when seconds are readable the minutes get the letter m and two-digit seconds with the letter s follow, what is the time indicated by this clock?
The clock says 11h10
